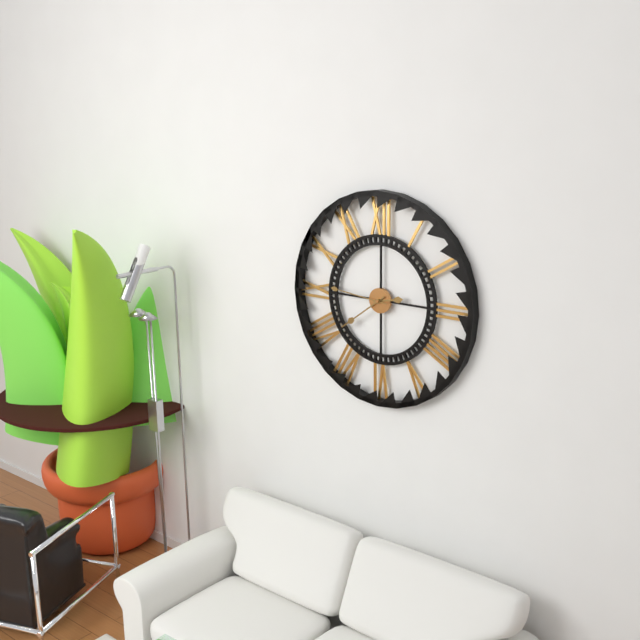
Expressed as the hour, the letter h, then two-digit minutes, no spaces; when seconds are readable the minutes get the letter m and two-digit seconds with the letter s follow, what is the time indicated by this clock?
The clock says 2h39m46s
